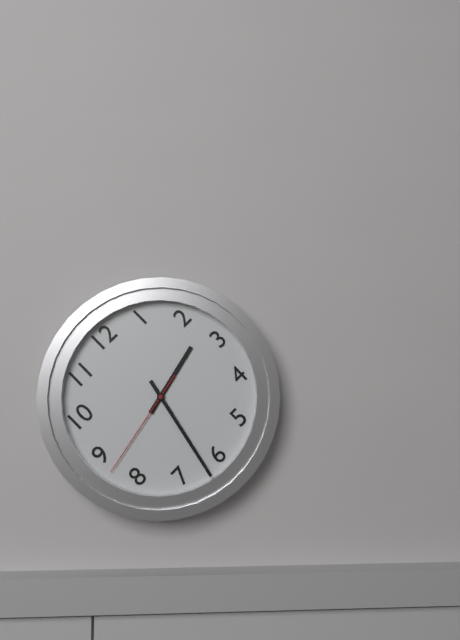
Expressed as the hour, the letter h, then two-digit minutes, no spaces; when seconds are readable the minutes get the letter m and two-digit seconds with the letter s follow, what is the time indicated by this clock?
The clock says 2h32m43s
